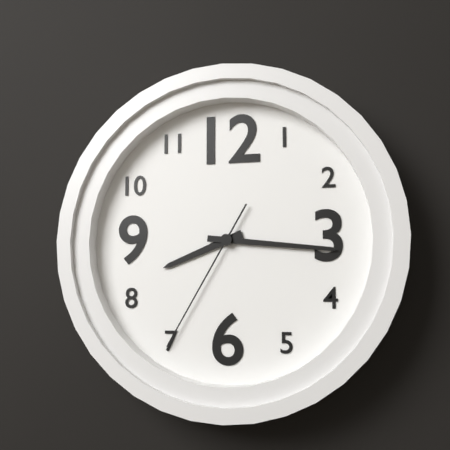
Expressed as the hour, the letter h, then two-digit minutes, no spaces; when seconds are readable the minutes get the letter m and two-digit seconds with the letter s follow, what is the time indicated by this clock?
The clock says 8h16m35s
